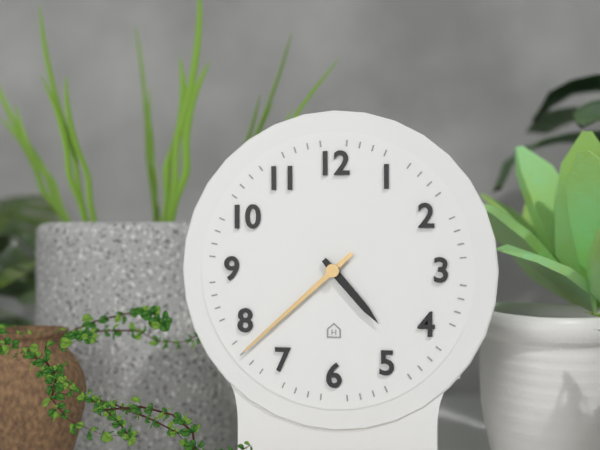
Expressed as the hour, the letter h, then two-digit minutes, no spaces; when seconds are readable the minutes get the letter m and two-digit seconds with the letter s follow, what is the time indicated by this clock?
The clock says 4h38
